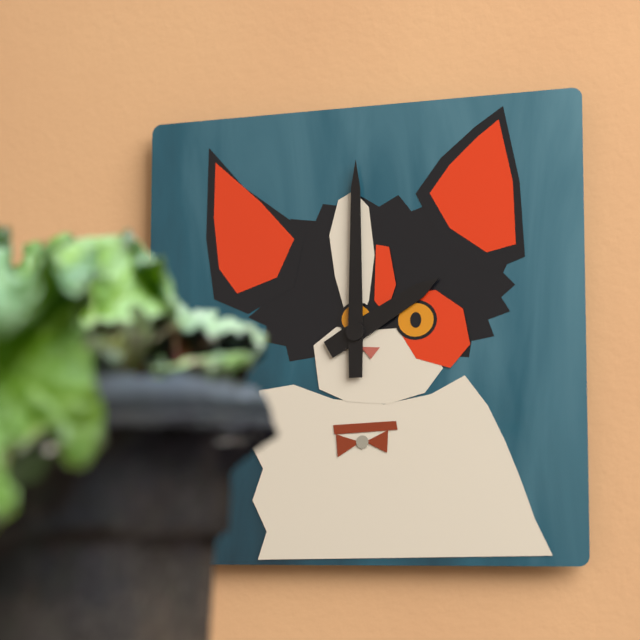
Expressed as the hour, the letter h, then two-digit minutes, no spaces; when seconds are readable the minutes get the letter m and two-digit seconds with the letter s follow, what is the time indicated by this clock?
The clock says 2h00
